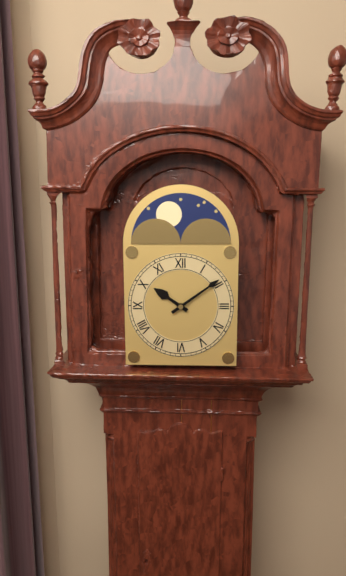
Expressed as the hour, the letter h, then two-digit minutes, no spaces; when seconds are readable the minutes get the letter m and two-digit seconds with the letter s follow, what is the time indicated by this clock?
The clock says 10h09
